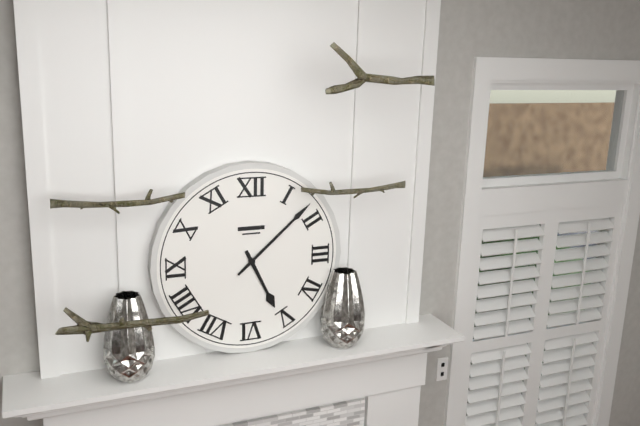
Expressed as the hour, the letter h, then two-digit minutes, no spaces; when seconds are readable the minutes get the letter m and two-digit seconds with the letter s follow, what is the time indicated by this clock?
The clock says 5h08
